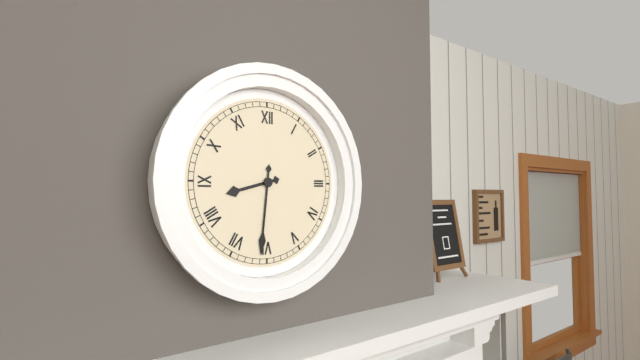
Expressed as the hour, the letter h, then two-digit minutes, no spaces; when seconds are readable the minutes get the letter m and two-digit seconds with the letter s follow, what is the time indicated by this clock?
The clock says 8h31
